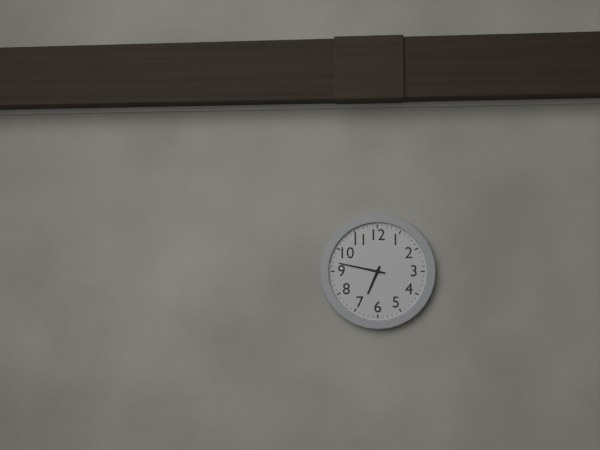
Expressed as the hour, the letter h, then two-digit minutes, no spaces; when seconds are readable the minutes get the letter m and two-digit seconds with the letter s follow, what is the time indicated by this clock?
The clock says 6h47
